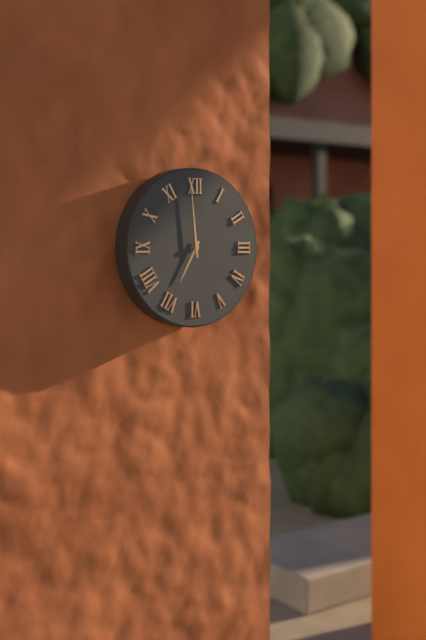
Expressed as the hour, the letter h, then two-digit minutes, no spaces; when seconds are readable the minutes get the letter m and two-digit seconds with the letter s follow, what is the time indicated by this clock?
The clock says 6h59
